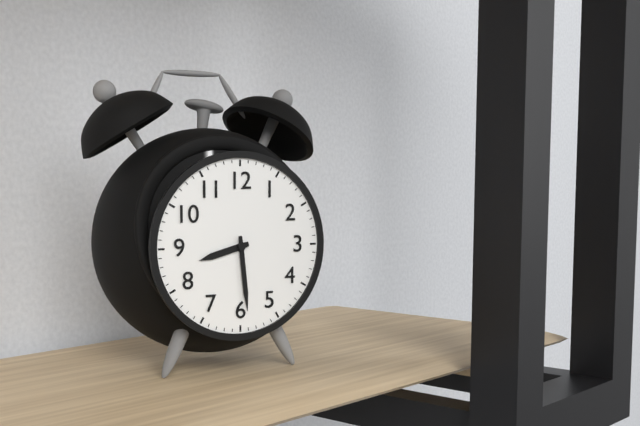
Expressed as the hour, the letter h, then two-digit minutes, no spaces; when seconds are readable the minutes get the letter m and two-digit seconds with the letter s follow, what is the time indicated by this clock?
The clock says 8h29
